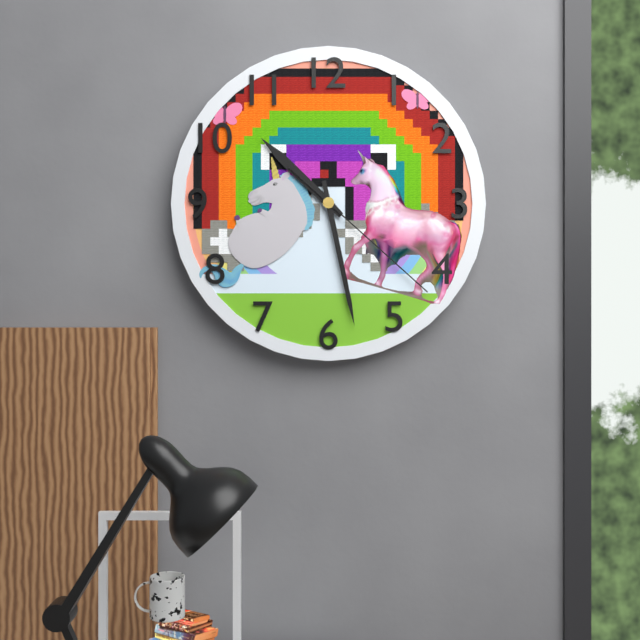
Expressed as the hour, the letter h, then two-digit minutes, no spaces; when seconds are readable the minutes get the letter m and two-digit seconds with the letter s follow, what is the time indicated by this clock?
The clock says 10h28m22s
